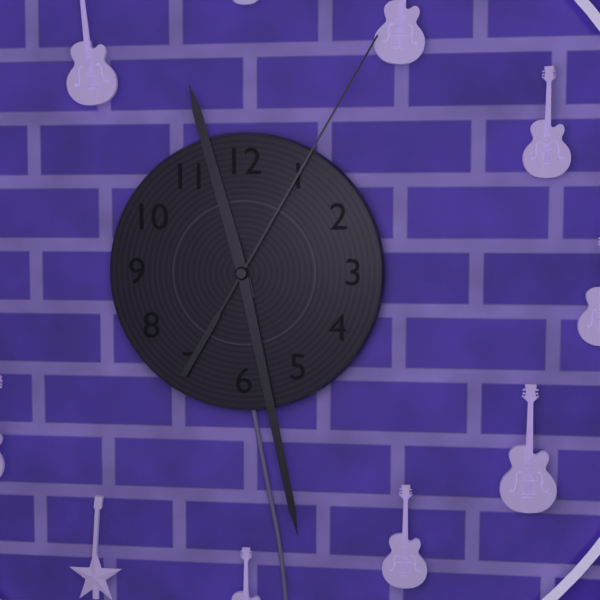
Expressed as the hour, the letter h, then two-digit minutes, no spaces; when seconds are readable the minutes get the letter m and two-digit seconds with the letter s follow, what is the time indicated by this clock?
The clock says 11h28m05s
